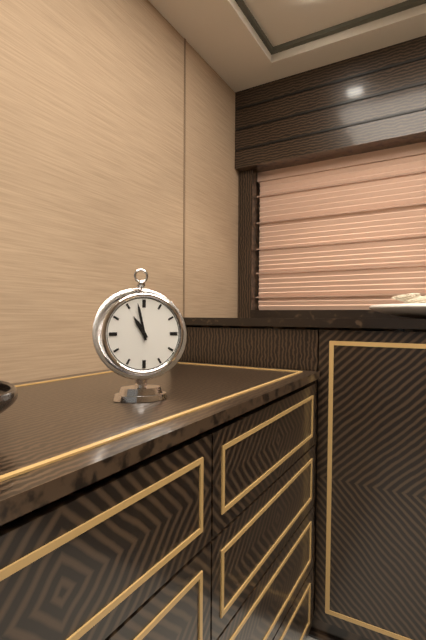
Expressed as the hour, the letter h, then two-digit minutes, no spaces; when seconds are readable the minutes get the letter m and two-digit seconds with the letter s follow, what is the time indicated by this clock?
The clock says 10h58
